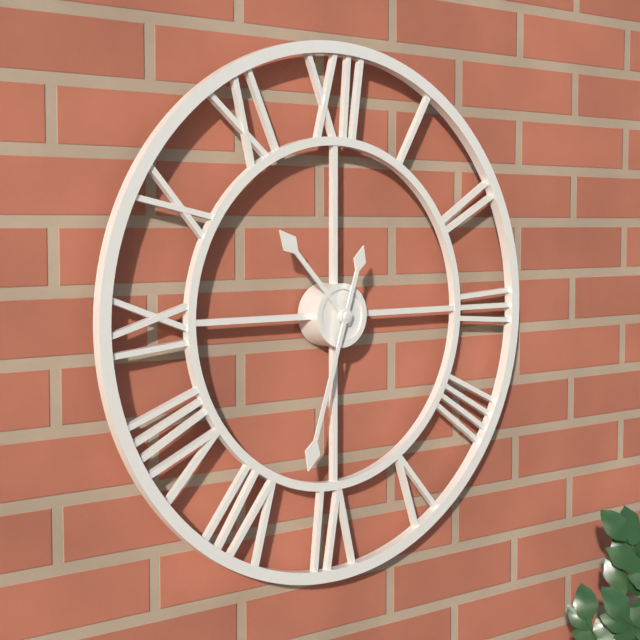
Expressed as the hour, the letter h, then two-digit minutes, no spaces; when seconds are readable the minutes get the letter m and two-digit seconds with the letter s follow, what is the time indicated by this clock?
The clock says 10h33
